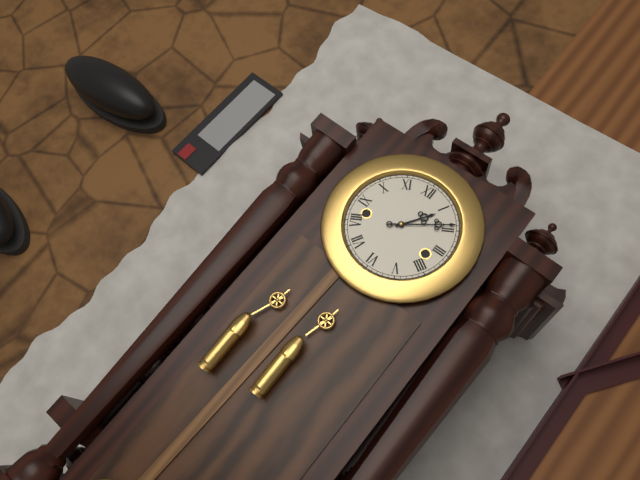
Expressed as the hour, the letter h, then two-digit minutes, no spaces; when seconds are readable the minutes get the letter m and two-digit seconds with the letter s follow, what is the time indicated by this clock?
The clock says 1h09
